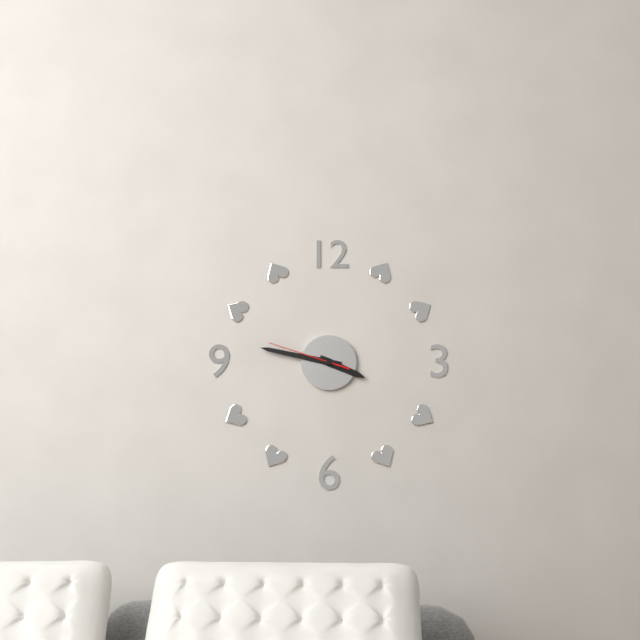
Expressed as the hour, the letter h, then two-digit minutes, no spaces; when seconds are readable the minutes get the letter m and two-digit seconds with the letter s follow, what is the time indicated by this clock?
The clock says 3h47m48s
